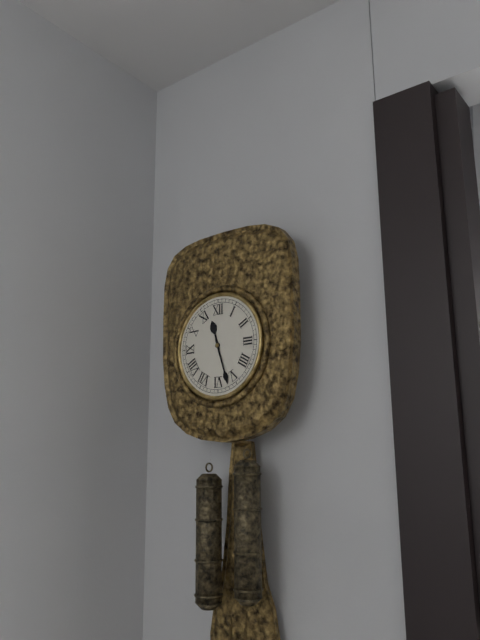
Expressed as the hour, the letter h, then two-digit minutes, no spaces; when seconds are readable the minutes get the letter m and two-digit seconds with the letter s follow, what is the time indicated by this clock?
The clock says 11h27
